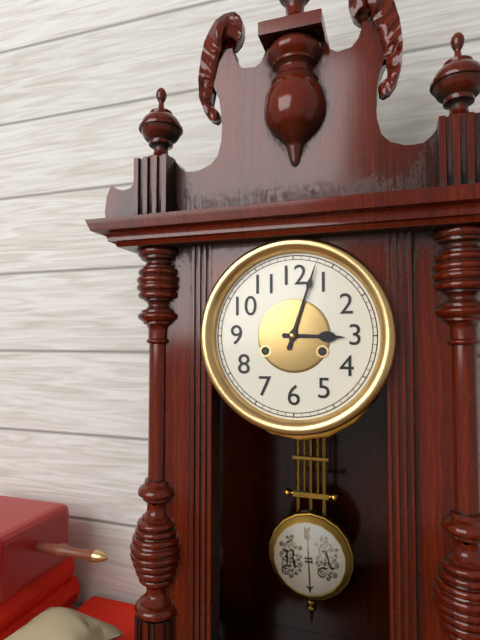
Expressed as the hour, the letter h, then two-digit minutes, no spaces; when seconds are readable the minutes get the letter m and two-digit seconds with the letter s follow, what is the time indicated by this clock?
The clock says 3h03
